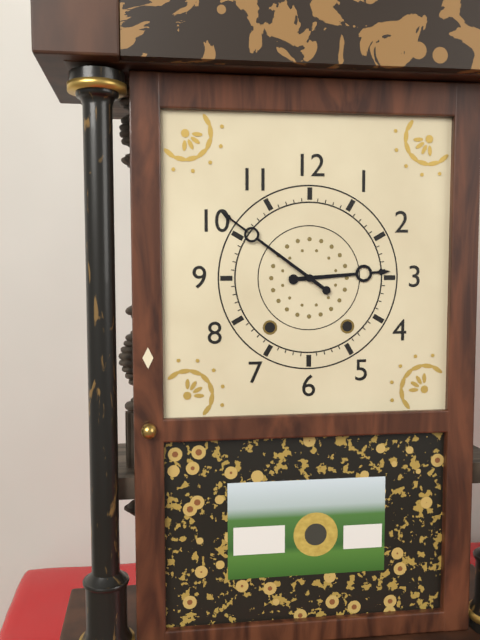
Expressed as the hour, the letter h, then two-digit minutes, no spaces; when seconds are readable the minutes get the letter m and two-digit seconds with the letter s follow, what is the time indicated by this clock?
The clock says 2h51
